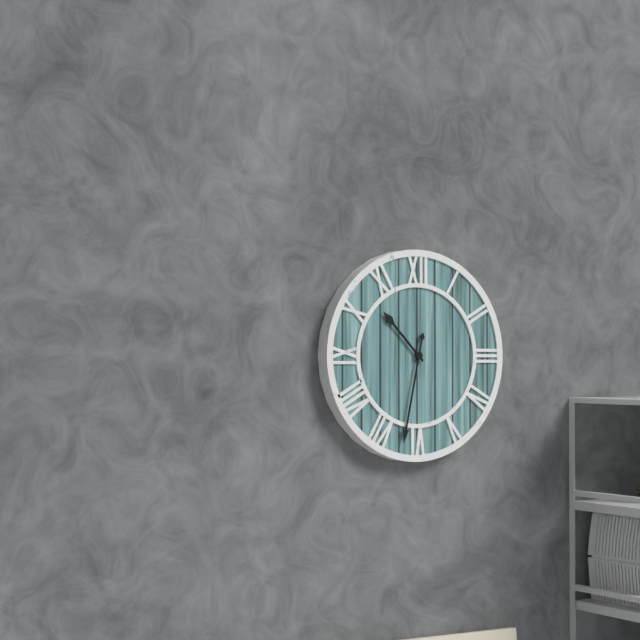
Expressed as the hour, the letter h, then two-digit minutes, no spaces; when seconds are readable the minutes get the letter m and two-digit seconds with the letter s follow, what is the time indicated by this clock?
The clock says 10h32
